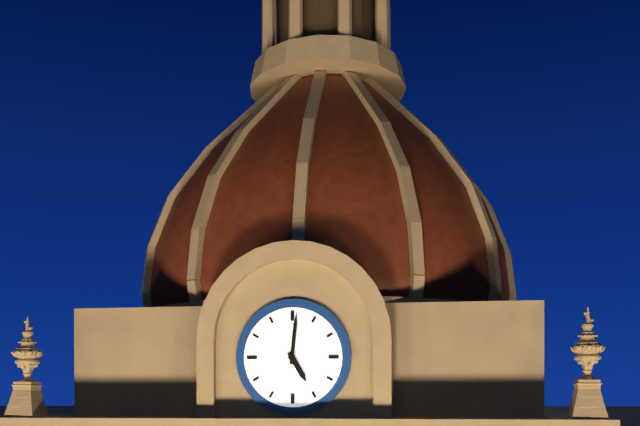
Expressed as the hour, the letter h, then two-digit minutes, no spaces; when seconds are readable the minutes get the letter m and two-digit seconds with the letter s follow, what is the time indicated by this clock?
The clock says 5h01
